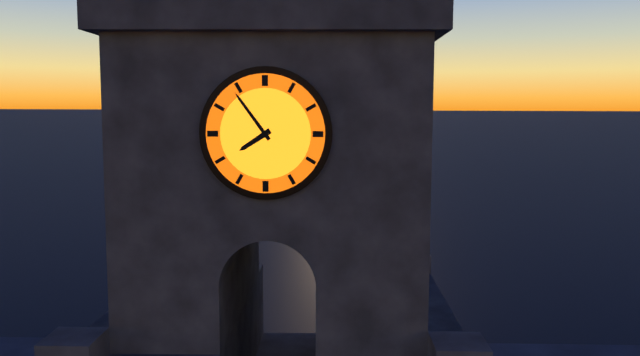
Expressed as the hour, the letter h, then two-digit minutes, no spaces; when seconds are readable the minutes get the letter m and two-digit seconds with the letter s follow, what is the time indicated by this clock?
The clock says 7h54
